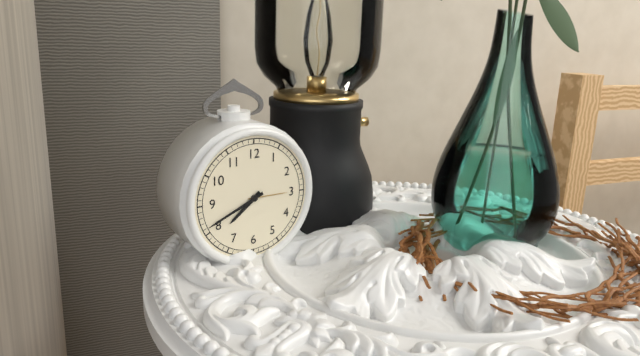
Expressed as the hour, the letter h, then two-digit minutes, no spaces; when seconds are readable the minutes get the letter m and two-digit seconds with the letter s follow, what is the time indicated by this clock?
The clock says 7h41
